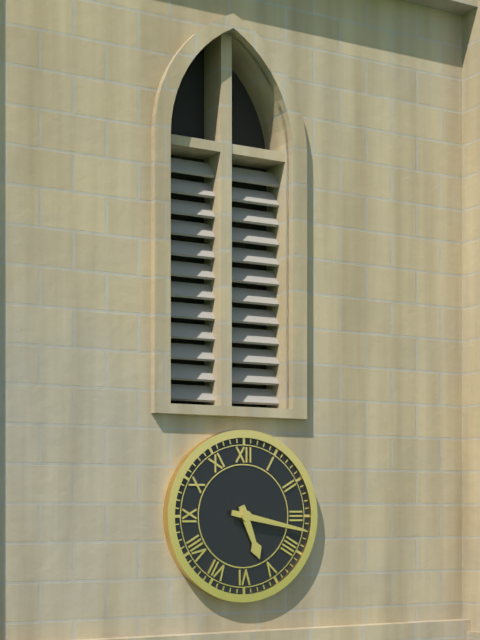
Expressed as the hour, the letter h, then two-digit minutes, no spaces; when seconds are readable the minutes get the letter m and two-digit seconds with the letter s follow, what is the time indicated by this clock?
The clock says 5h17
